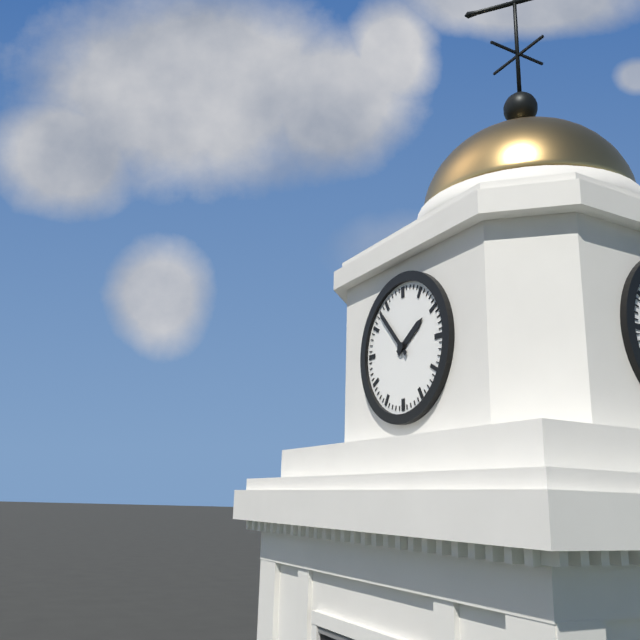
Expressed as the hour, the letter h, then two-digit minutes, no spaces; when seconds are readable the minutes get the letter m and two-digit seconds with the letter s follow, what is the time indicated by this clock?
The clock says 1h53
